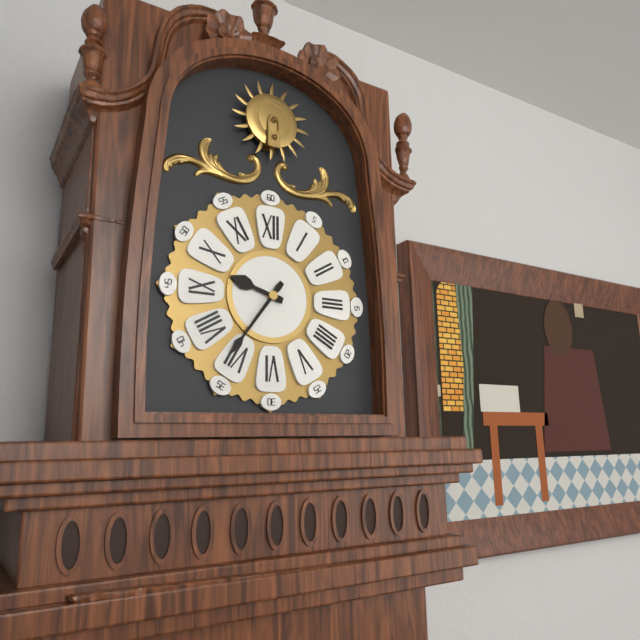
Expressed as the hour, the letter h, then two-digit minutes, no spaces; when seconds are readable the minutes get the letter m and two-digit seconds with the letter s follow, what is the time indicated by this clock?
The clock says 9h36
